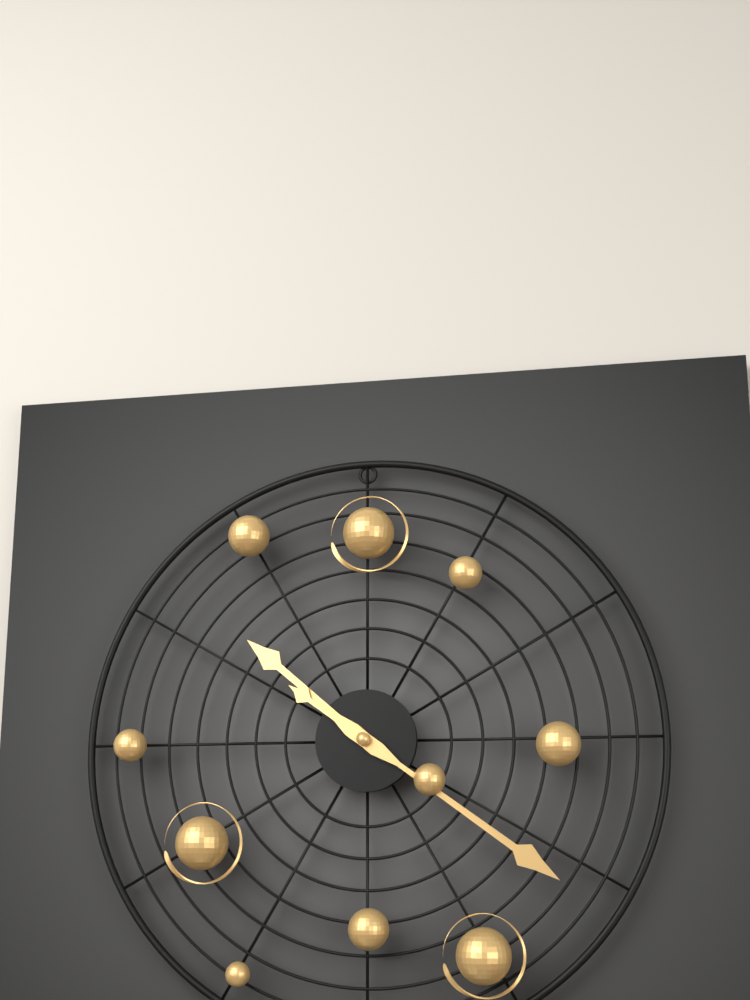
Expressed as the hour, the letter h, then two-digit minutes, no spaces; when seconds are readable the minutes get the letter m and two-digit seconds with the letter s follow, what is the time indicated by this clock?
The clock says 10h21
